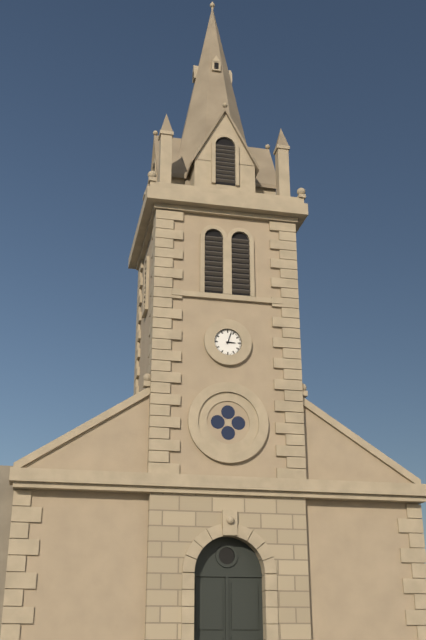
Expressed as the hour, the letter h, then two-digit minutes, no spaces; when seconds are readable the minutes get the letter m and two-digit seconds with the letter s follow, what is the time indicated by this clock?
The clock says 3h03
